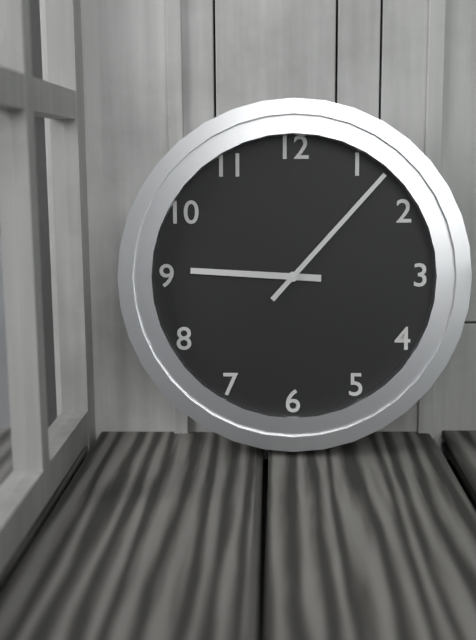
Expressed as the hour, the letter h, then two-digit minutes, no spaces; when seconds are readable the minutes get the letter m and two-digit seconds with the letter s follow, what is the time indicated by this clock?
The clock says 9h07
